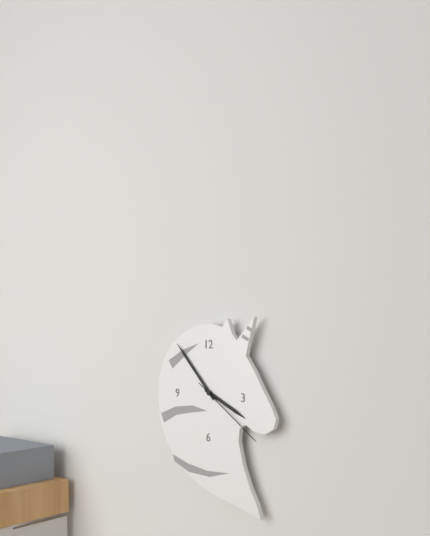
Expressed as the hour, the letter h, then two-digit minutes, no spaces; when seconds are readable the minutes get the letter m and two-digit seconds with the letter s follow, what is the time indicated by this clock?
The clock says 3h53m21s
